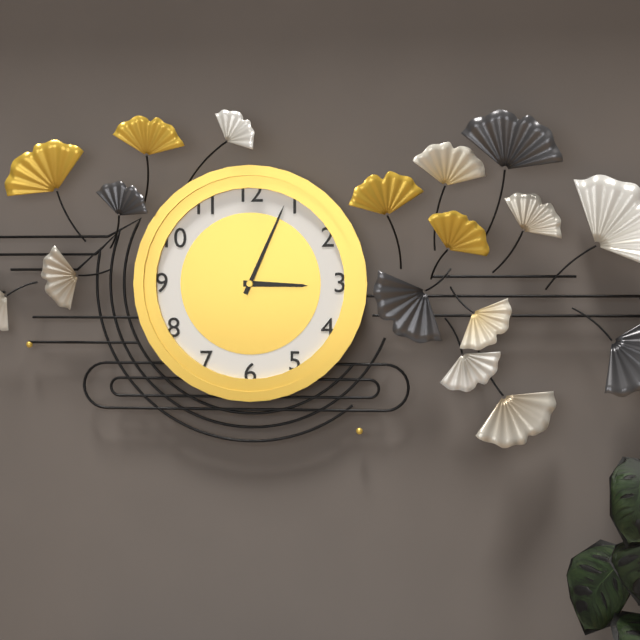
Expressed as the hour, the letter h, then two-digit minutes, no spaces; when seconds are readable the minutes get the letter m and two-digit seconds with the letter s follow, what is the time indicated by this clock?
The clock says 3h04
